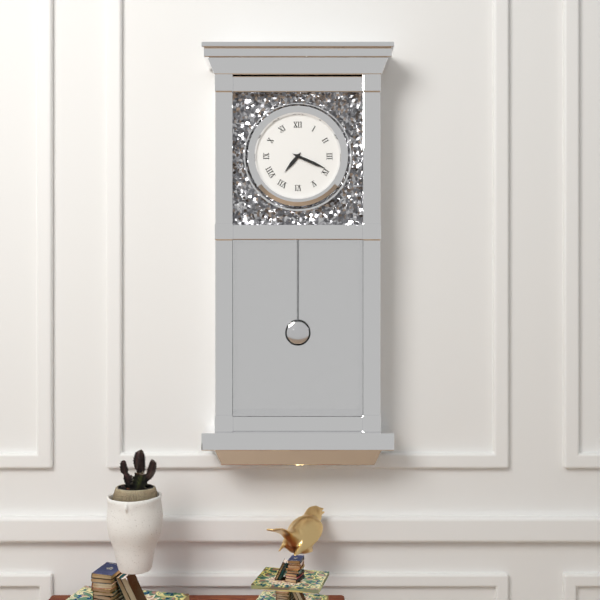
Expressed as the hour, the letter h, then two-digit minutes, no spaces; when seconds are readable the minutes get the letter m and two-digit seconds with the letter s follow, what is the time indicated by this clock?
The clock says 7h19
